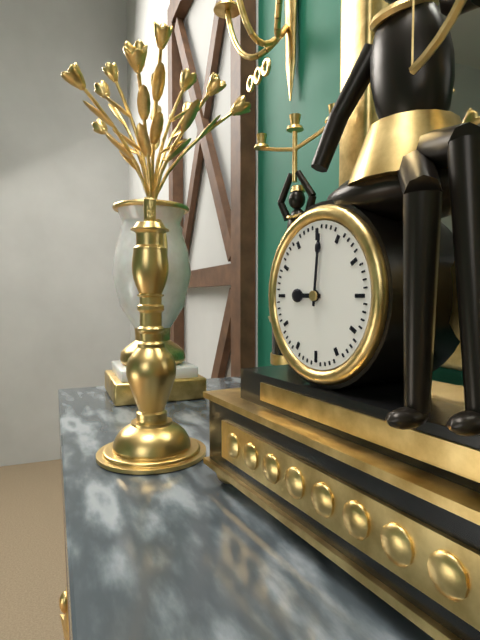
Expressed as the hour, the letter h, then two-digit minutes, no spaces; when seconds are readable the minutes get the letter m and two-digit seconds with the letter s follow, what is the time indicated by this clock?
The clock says 9h01
